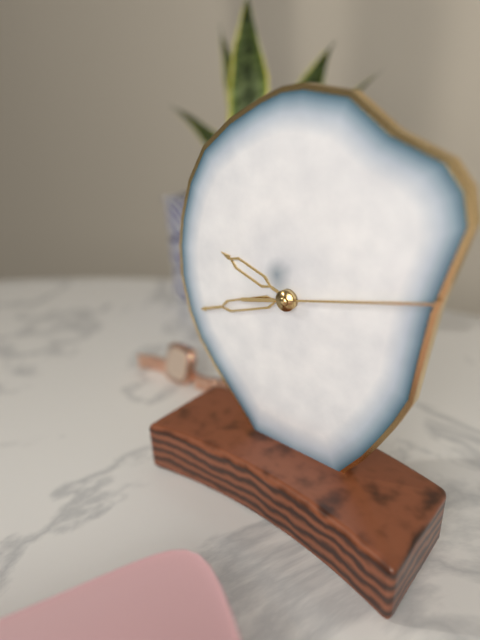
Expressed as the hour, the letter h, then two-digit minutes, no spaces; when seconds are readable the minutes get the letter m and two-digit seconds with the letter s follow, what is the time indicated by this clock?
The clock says 9h42m13s
